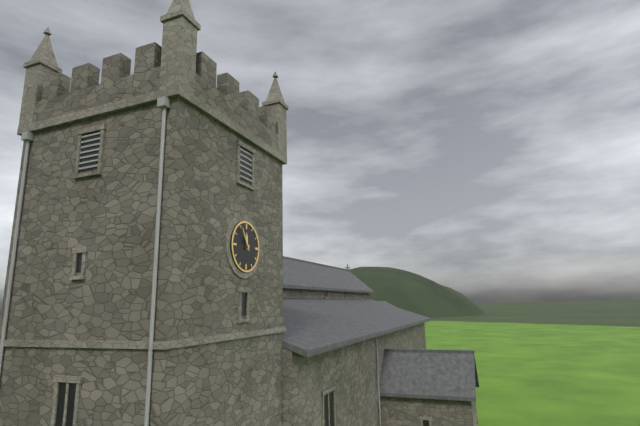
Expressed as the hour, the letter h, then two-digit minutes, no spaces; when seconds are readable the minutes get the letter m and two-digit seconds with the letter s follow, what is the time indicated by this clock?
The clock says 11h55
